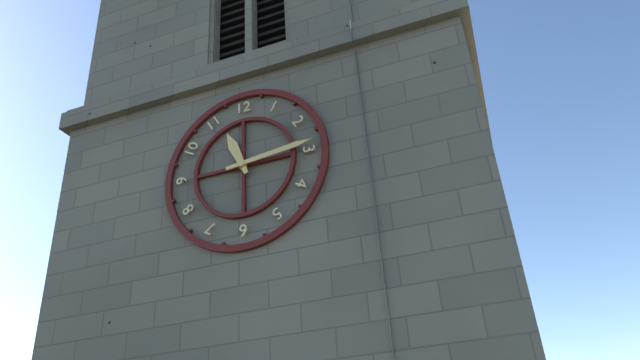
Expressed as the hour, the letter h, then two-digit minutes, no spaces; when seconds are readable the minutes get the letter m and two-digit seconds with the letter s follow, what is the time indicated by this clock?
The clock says 11h14
